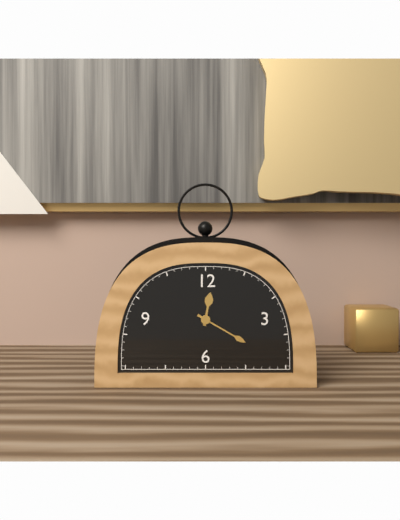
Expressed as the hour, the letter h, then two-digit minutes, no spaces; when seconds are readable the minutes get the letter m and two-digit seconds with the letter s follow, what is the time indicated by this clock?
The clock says 12h20
